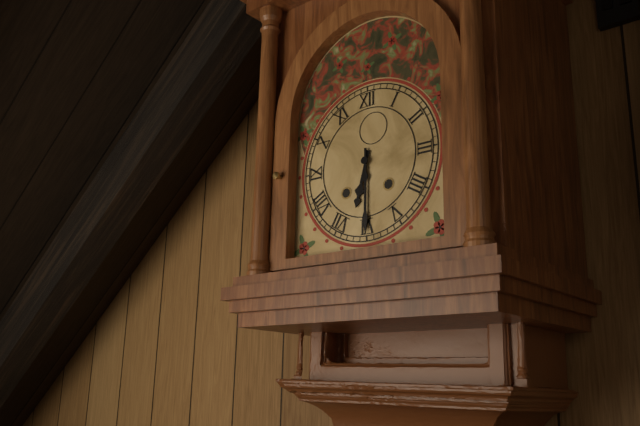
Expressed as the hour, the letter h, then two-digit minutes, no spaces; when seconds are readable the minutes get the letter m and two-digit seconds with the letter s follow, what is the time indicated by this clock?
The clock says 6h30
